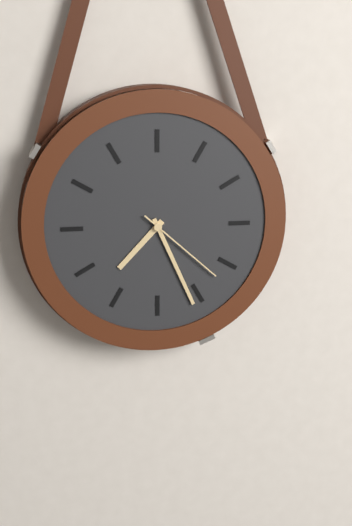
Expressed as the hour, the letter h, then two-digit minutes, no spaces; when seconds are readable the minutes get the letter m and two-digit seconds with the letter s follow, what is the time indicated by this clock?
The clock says 7h26m22s
